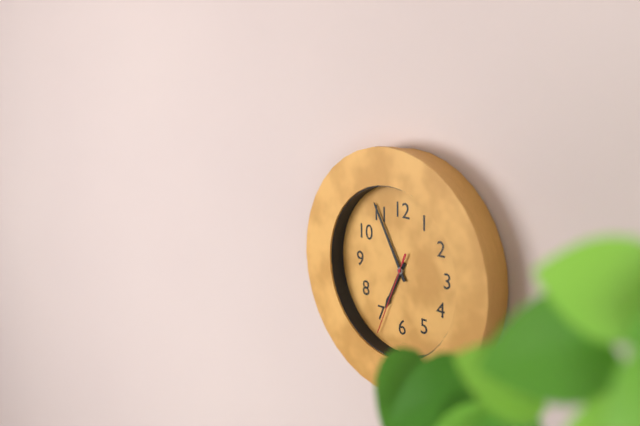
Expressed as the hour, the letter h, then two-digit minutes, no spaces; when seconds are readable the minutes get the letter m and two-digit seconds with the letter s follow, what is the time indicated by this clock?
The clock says 6h55m34s
